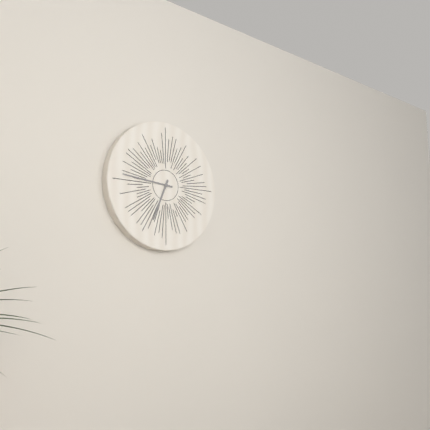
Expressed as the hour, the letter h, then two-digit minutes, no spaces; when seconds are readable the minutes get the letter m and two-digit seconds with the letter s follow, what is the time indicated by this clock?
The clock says 6h46
